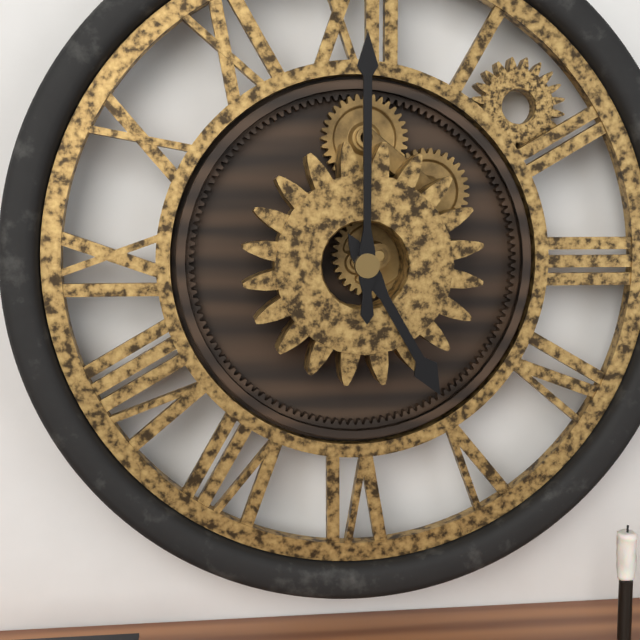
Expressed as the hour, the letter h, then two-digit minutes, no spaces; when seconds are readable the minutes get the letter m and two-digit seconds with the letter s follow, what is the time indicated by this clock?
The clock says 5h00
